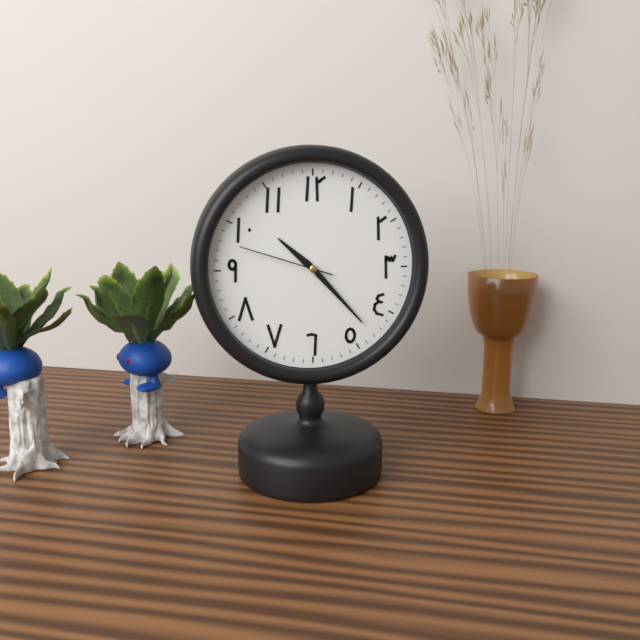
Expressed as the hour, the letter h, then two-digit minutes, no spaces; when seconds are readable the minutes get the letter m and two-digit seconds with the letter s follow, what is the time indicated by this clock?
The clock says 10h23m48s
